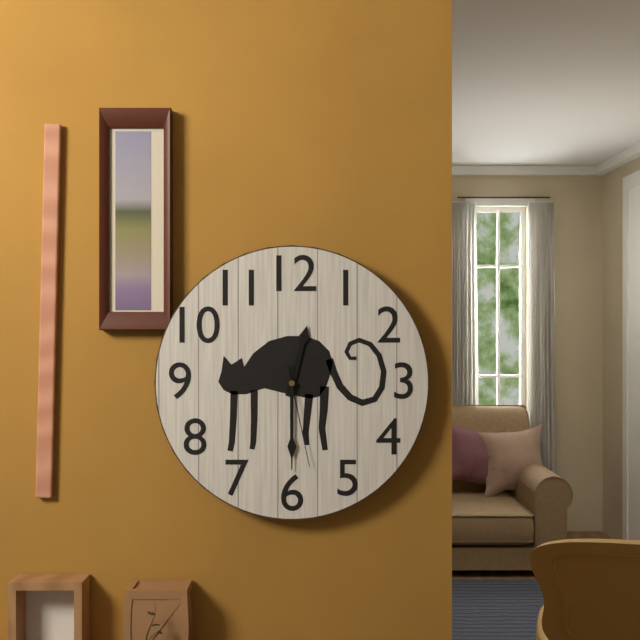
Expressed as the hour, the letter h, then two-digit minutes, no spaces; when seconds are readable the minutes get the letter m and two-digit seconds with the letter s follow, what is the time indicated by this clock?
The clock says 12h30m28s
